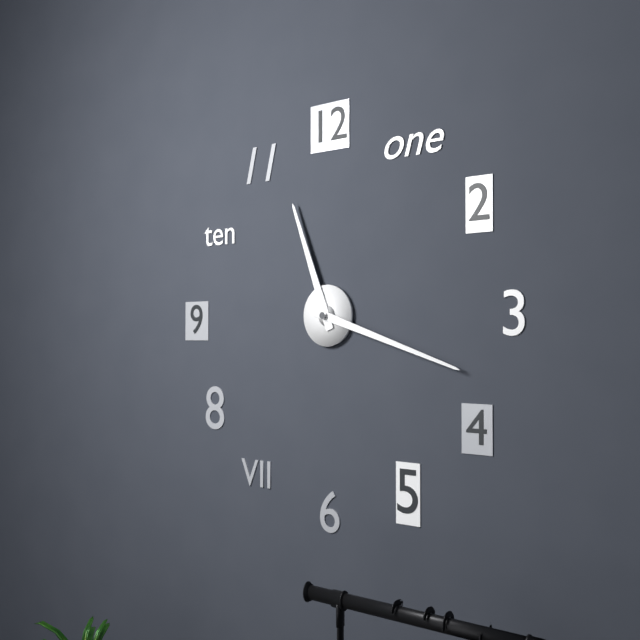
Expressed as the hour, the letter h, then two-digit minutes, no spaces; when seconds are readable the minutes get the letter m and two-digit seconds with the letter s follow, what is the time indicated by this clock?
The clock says 11h18
